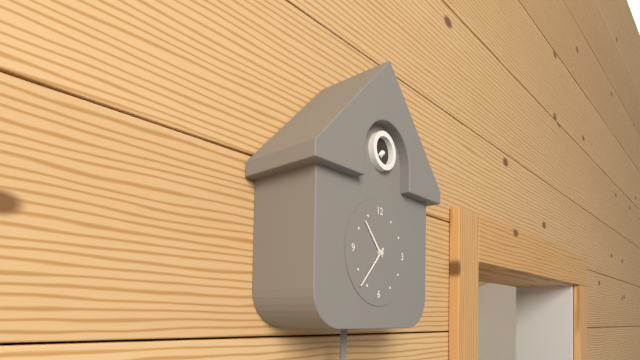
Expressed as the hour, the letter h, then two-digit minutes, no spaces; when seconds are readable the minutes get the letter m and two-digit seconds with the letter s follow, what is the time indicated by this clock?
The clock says 10h37
